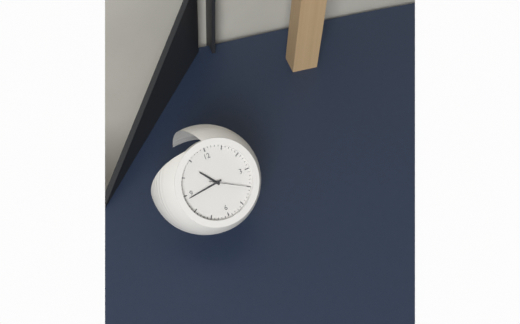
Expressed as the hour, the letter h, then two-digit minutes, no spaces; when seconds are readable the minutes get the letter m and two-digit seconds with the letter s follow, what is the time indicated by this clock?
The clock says 10h44
